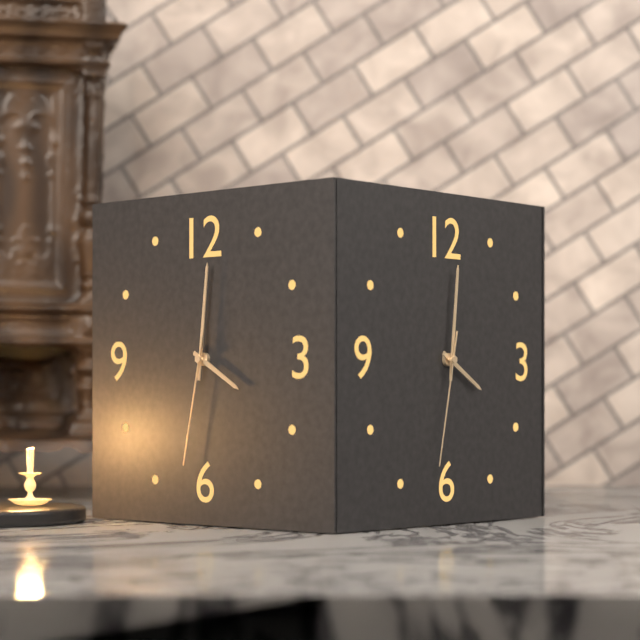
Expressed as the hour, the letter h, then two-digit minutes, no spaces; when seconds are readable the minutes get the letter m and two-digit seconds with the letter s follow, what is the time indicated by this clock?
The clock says 4h01m32s
